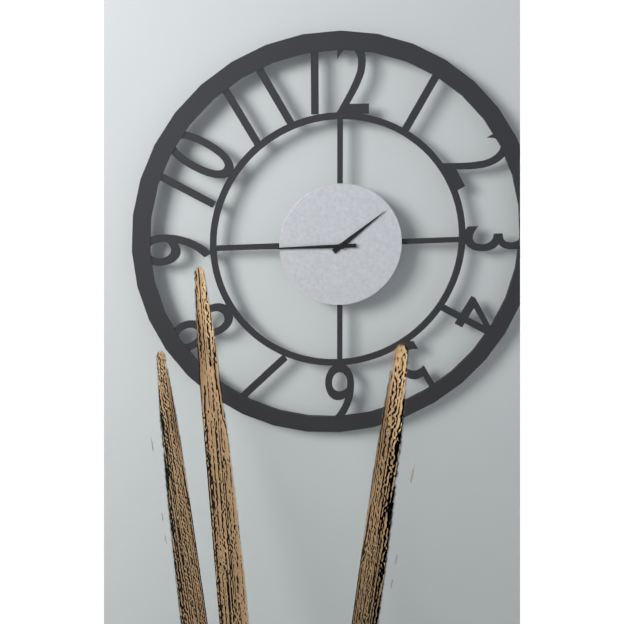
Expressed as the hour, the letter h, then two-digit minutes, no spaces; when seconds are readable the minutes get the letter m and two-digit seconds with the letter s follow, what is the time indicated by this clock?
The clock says 1h45
